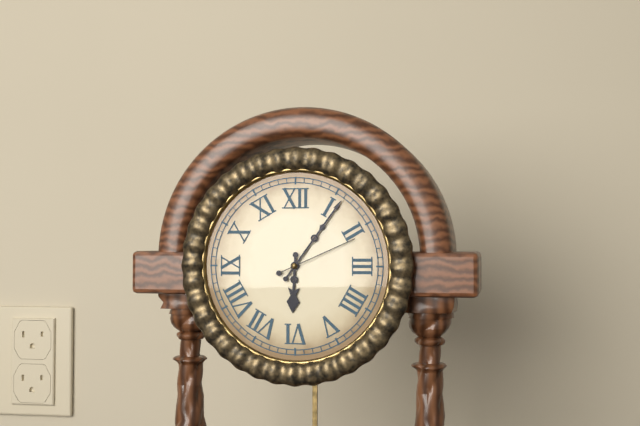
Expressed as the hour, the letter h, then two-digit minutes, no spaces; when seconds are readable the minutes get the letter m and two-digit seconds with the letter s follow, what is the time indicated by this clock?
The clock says 6h06m11s
